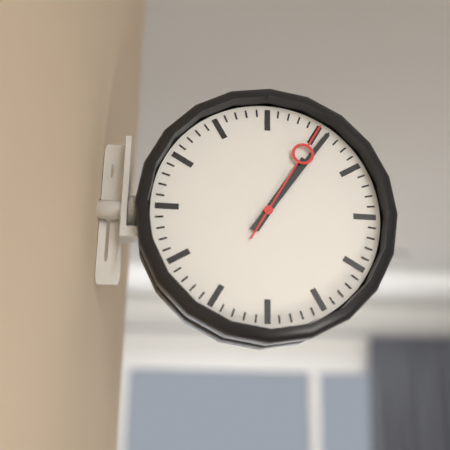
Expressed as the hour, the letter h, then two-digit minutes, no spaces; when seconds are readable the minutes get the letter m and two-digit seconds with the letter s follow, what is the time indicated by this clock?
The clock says 1h06m05s
